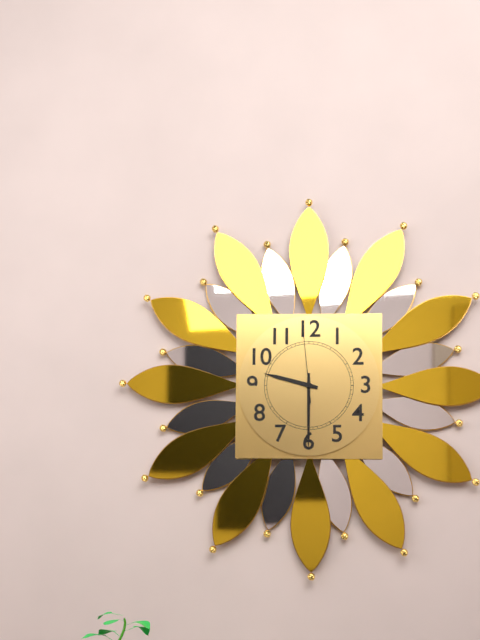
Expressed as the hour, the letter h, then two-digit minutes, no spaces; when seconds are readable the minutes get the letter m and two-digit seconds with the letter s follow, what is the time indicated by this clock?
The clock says 9h30m59s
